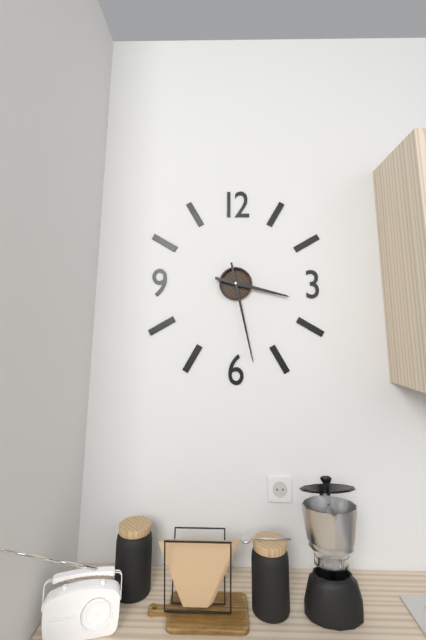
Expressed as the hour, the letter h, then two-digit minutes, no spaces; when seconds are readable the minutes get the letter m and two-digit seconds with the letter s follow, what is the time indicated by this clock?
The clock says 3h28
